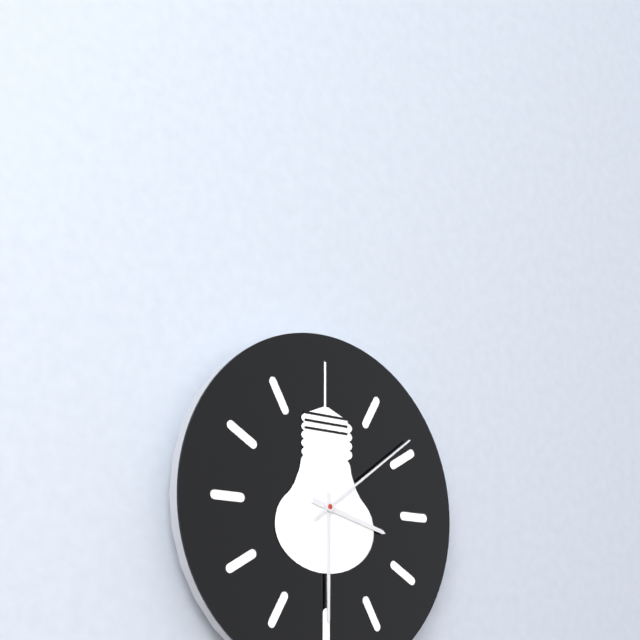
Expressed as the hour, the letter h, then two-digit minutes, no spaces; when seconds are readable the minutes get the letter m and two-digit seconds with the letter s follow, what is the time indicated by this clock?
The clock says 3h30m09s
